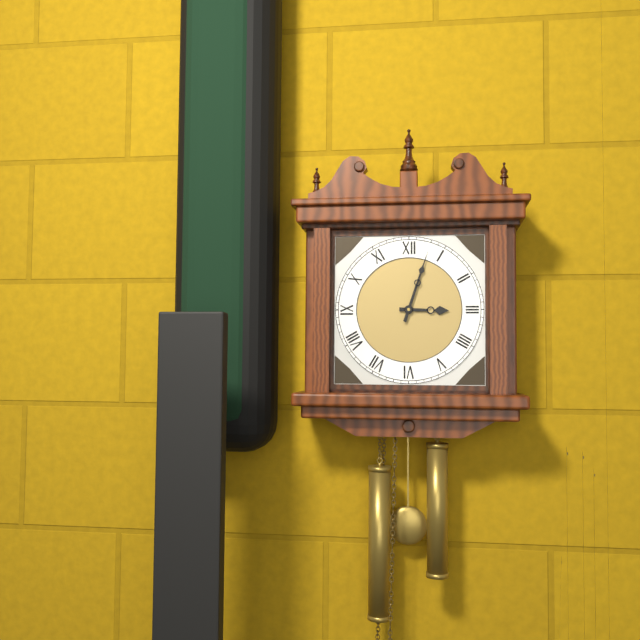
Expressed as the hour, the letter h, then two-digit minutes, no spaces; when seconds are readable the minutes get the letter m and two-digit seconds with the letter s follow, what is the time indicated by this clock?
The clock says 3h03
